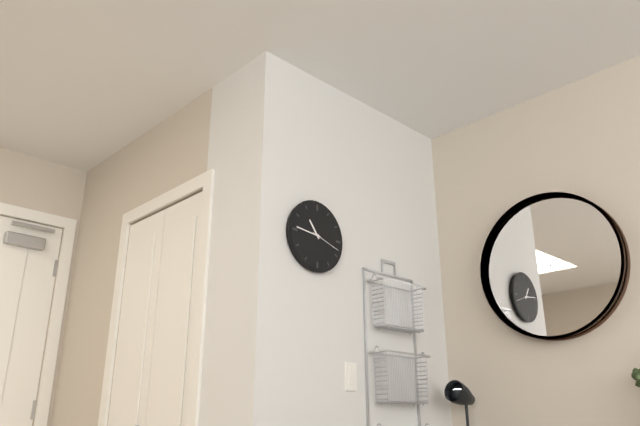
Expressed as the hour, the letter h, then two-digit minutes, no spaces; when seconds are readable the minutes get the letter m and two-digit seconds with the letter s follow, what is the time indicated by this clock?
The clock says 10h46
